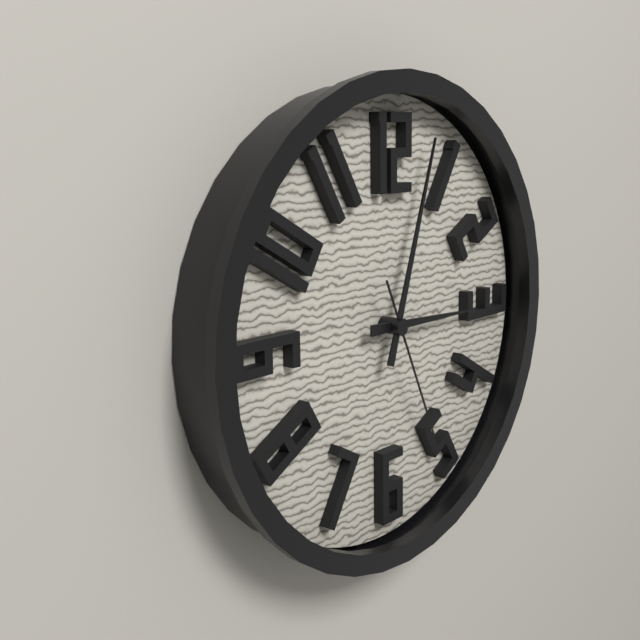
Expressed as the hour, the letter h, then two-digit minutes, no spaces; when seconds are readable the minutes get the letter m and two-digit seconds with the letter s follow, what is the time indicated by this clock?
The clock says 3h03m26s
